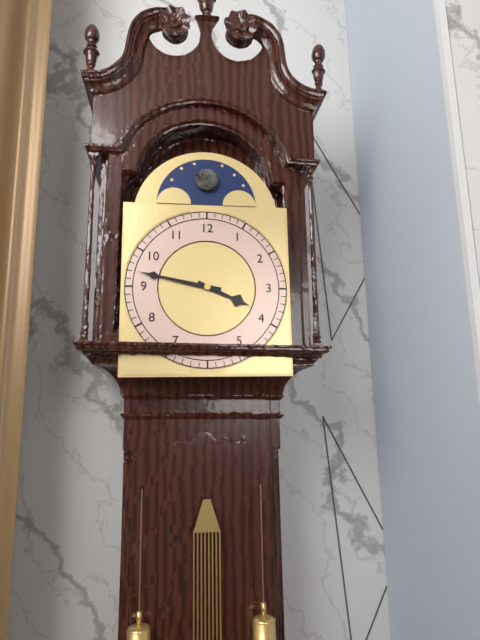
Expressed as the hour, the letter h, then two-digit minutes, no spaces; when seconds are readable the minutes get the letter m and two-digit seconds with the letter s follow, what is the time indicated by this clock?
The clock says 3h47
